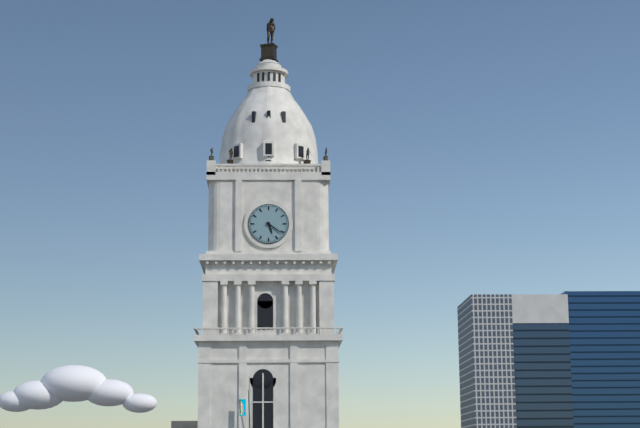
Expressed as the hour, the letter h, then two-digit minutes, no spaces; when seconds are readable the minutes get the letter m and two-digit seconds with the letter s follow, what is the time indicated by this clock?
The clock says 5h21
